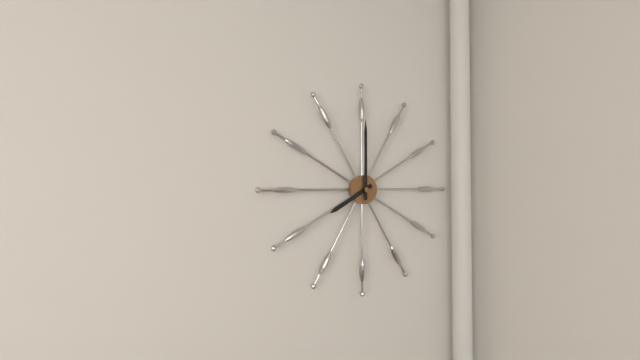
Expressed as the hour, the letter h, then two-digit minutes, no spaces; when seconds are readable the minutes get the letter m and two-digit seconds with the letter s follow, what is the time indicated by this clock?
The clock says 8h00
